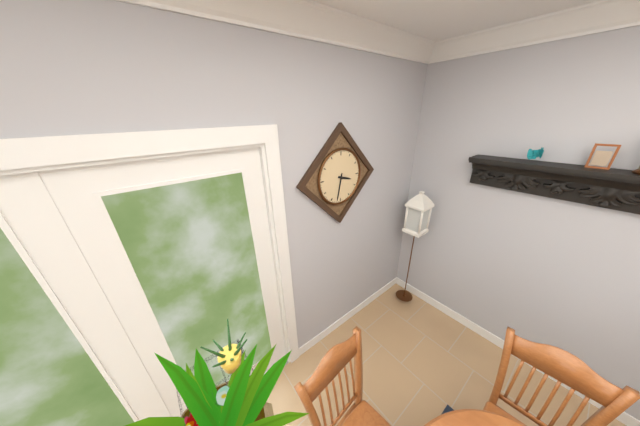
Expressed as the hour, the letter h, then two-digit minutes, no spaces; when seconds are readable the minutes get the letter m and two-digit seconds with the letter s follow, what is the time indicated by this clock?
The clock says 3h32
